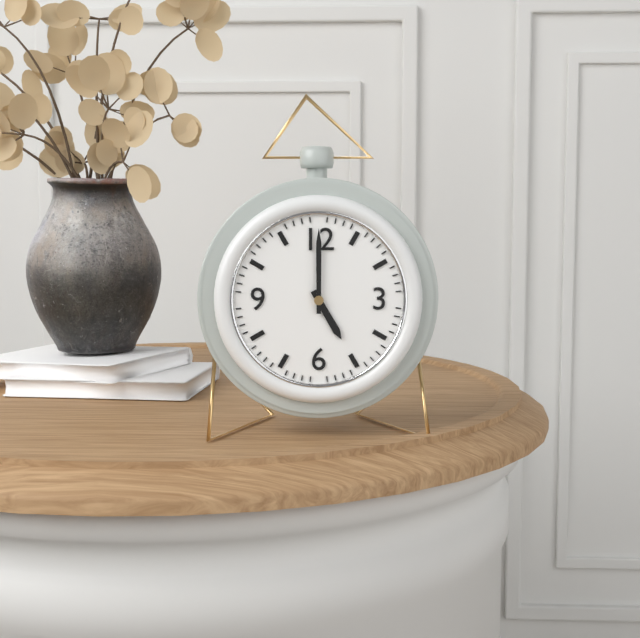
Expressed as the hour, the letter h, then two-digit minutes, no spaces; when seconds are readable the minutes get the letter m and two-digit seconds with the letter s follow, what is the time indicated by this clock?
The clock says 5h00
